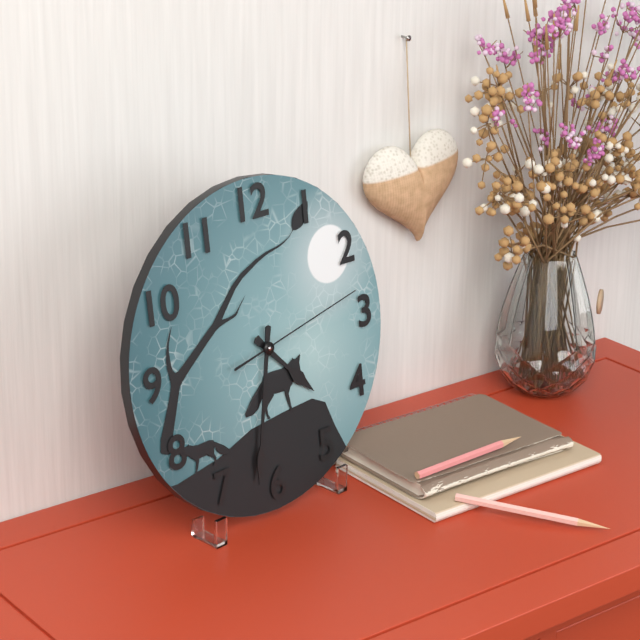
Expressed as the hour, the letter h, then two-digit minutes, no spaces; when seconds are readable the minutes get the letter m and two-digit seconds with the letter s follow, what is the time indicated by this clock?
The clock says 4h32m13s
